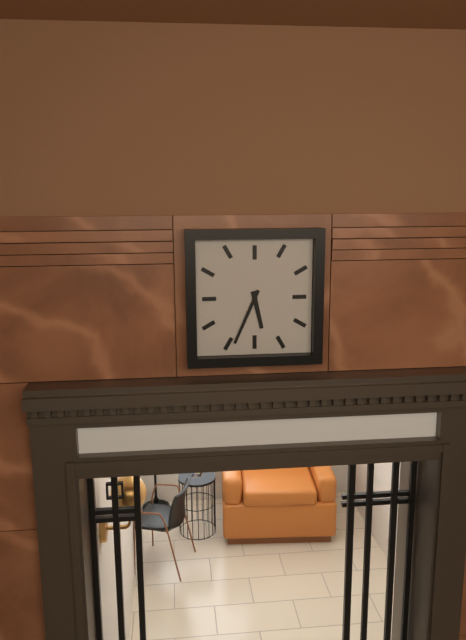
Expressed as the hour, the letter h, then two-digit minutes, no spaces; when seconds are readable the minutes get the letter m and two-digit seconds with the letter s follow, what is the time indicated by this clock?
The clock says 5h34
